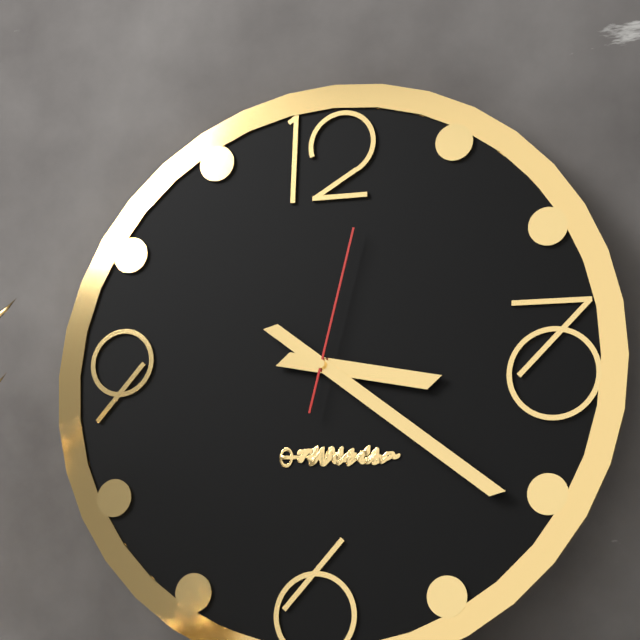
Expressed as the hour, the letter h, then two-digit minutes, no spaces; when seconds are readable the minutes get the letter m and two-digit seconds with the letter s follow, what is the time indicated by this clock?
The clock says 3h21m02s
